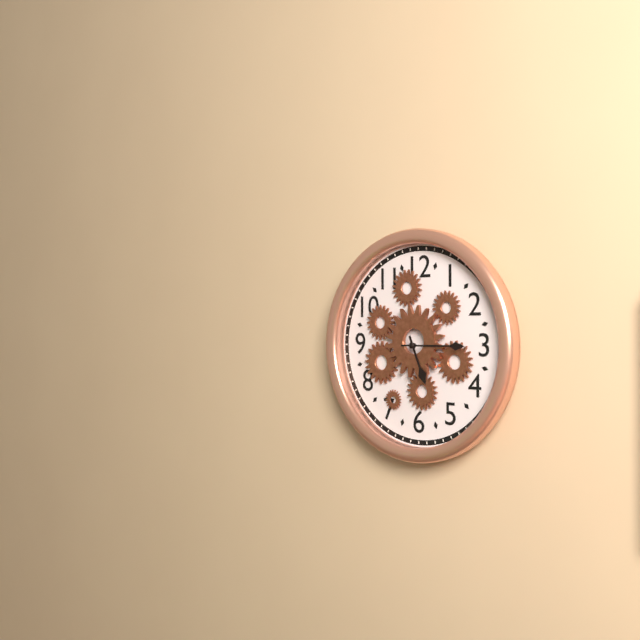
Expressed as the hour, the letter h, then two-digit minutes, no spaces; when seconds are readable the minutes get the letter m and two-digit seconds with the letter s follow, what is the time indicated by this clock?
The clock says 5h15
